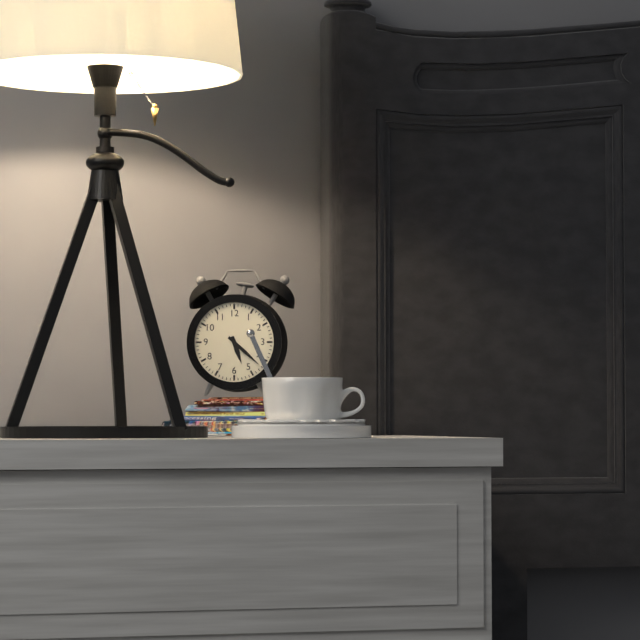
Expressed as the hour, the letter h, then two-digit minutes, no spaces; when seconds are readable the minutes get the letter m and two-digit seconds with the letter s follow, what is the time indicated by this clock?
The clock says 5h22
